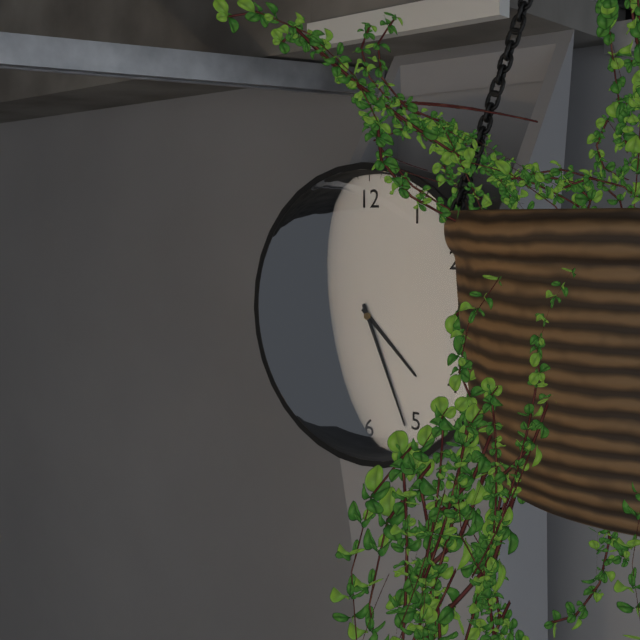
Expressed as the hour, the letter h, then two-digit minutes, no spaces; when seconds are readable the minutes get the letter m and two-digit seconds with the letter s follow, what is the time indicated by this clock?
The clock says 4h26
